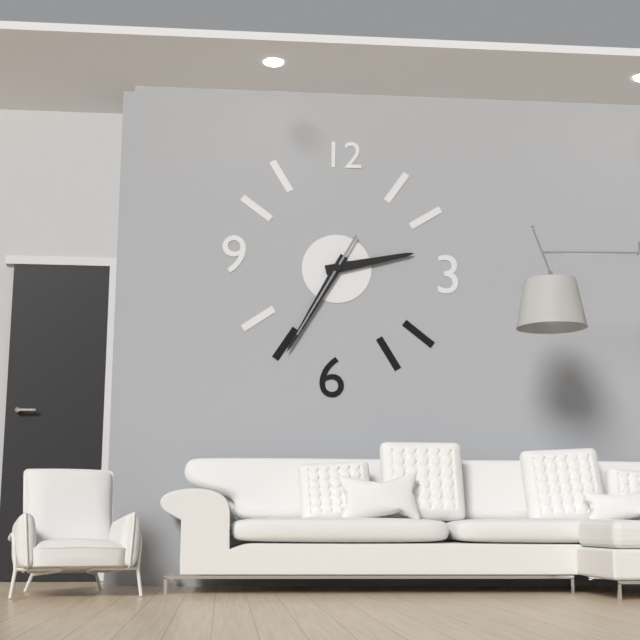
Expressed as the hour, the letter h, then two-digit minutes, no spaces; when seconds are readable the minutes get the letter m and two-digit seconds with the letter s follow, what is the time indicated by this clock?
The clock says 2h35m35s
